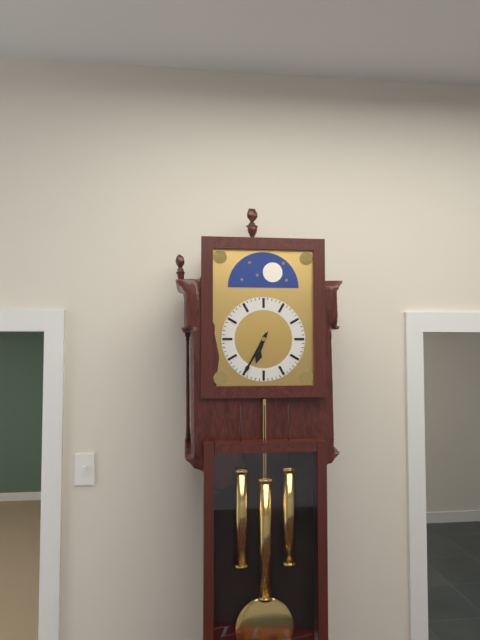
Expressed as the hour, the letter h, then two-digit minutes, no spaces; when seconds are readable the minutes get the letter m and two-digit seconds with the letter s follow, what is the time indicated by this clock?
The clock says 6h35
